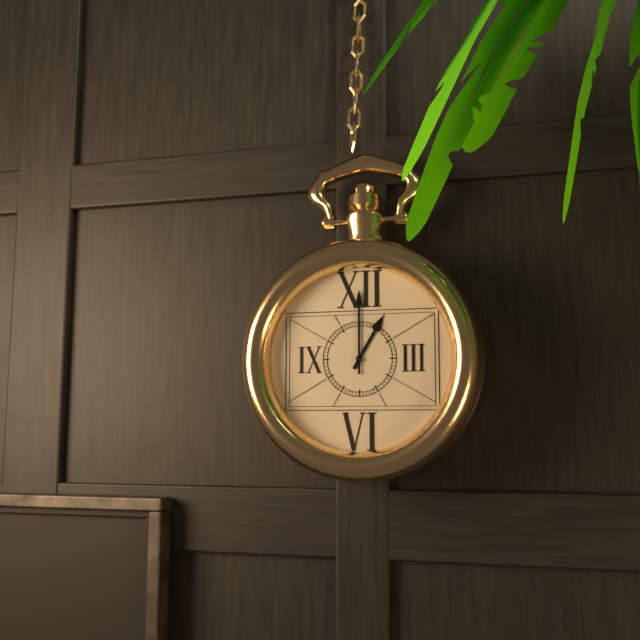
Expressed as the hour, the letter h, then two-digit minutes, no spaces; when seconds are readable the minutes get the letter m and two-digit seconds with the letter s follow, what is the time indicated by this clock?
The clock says 1h00
